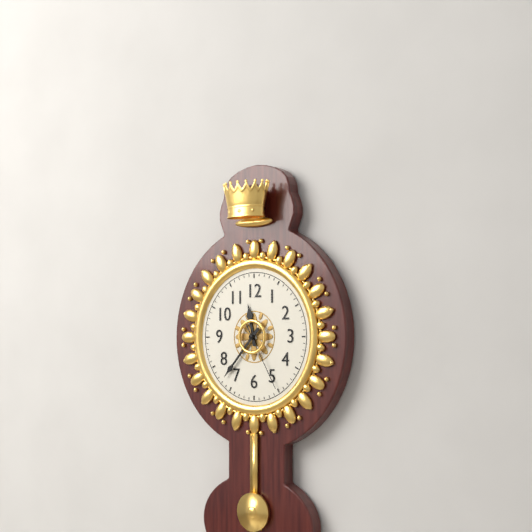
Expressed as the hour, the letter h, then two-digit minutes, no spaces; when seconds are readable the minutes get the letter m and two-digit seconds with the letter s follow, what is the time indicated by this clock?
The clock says 11h37m25s
